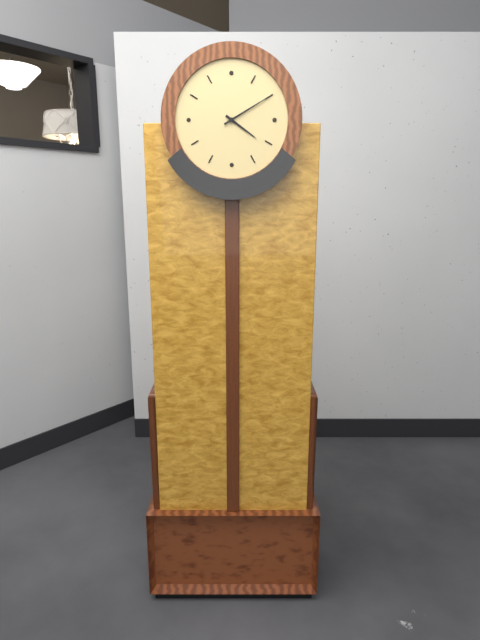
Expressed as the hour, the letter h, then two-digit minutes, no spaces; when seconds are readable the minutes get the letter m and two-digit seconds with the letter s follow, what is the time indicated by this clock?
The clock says 4h10
